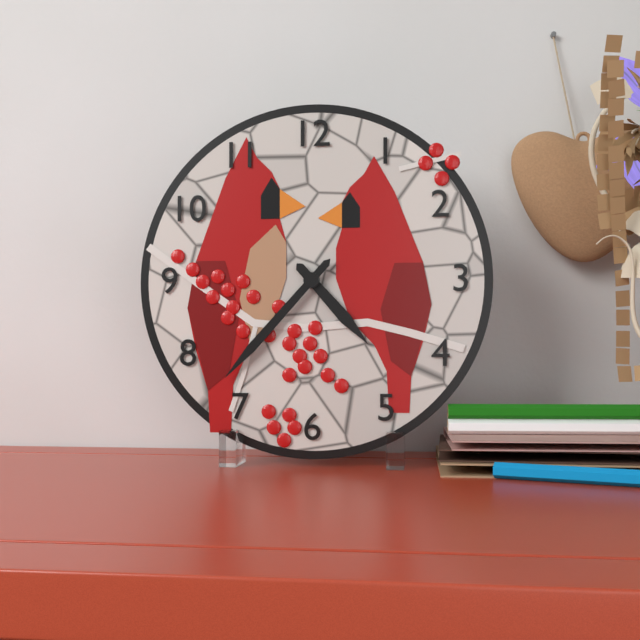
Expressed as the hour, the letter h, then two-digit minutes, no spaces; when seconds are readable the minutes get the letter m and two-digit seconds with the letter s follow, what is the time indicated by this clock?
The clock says 4h37
